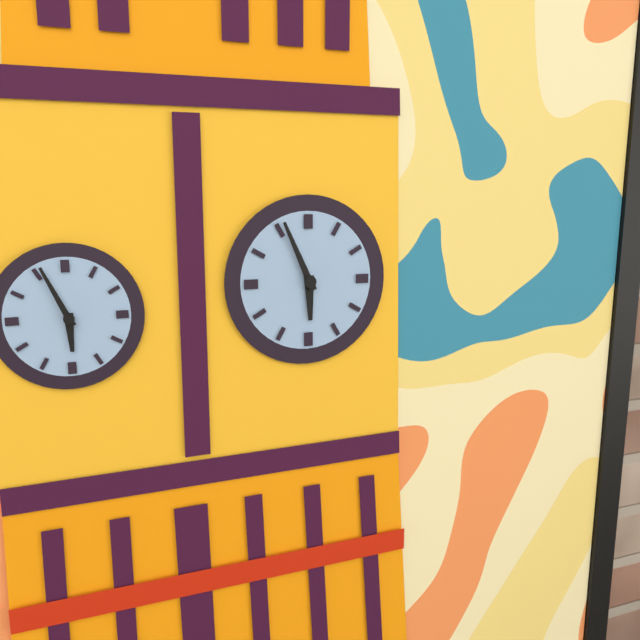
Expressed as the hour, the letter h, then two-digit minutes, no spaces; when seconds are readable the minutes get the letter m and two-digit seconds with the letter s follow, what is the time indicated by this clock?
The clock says 5h56
